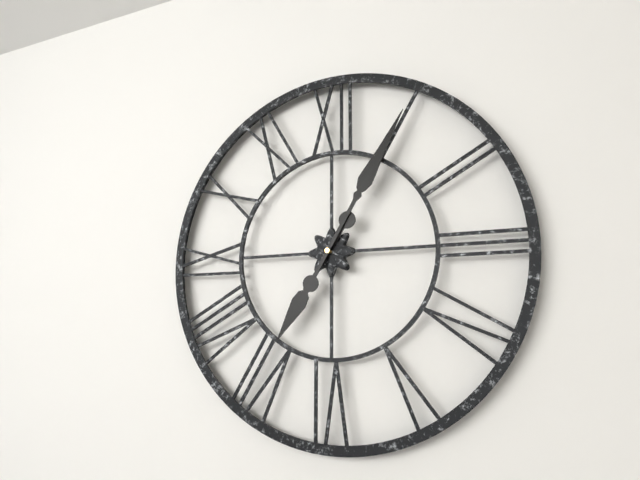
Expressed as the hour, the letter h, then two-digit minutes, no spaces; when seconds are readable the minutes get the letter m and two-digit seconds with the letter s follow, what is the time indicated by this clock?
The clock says 7h05
